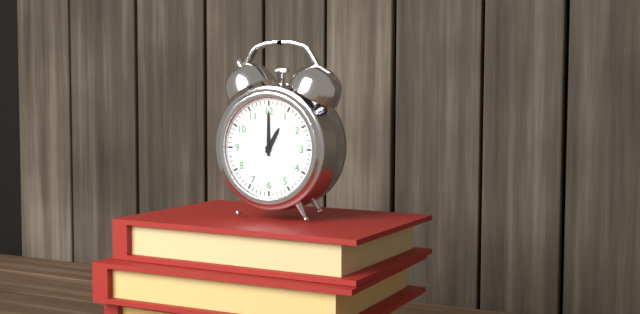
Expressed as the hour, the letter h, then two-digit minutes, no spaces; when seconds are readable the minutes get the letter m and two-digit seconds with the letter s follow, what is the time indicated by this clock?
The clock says 1h00
